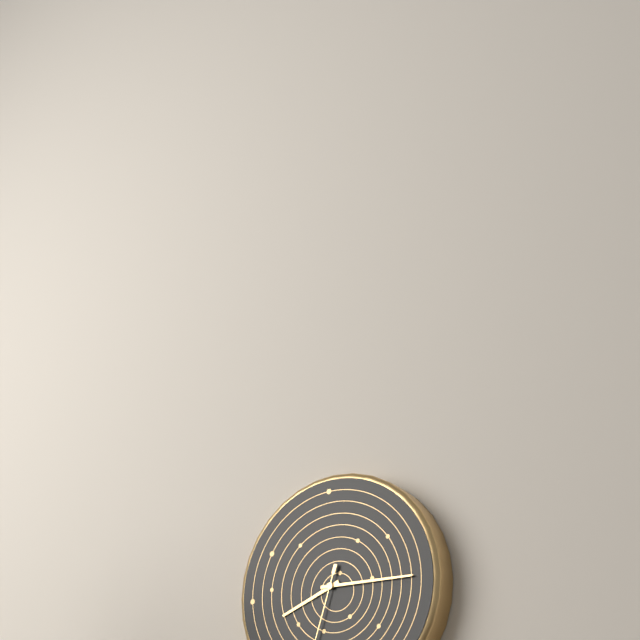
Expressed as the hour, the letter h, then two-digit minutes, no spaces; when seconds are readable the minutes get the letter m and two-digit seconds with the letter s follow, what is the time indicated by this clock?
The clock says 8h15
